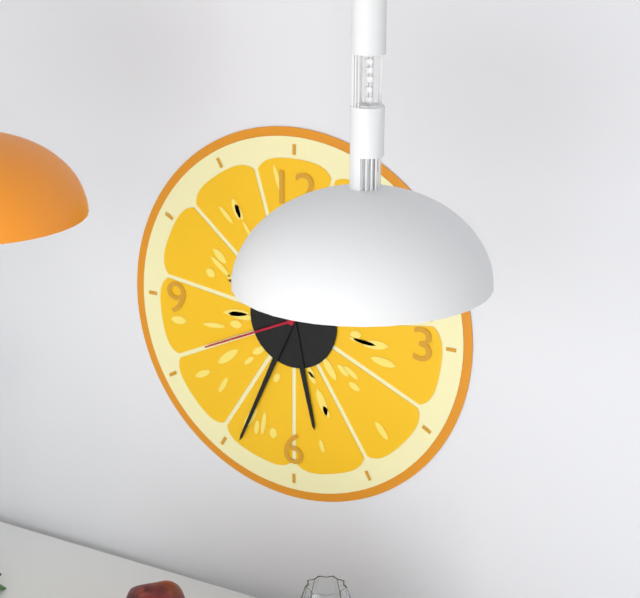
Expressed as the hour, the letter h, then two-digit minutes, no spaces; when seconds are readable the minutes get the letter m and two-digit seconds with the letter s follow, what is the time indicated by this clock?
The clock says 5h34m41s
